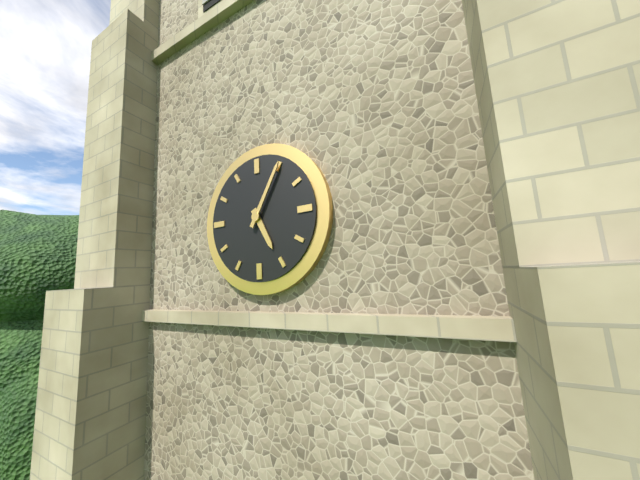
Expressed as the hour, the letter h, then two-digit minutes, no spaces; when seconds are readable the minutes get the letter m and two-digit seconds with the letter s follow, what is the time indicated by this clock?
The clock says 5h05
